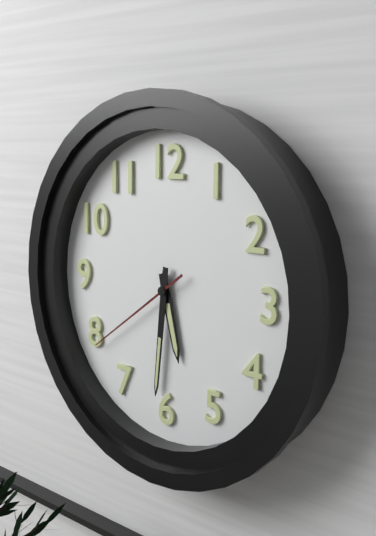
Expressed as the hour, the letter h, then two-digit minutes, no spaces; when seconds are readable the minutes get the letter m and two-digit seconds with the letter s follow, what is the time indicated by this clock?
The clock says 5h31m39s
